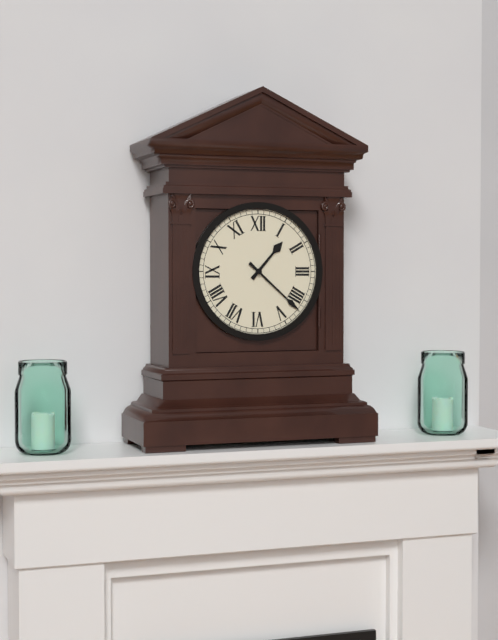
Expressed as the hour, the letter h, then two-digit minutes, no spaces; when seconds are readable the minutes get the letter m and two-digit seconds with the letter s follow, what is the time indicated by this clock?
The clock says 1h22
